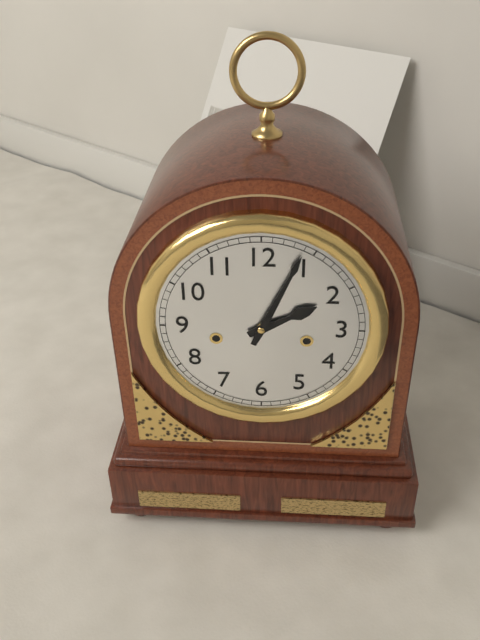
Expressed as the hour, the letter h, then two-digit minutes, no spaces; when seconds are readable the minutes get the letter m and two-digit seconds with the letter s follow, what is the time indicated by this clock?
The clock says 2h04
